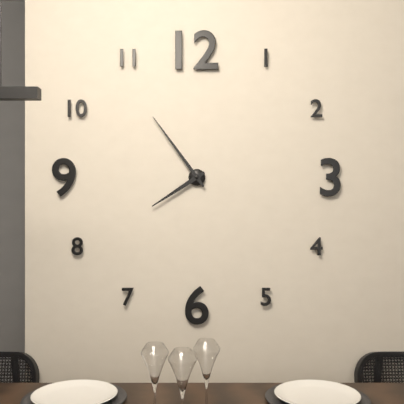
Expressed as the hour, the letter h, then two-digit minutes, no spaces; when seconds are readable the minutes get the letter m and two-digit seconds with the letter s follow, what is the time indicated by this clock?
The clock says 7h54
